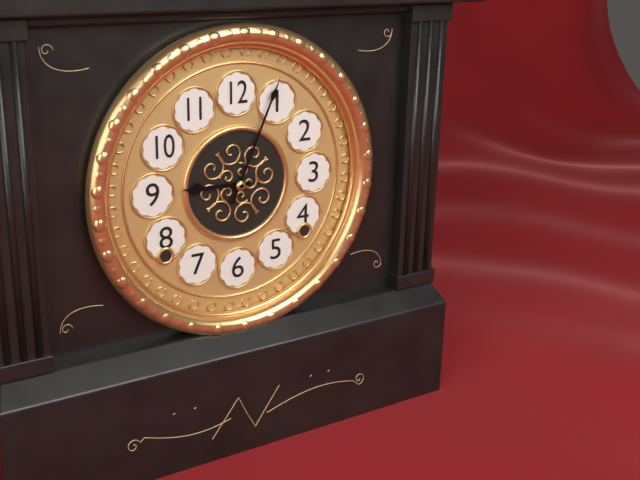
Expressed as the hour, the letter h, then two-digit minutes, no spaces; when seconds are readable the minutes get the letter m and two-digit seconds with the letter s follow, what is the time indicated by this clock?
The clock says 9h04
